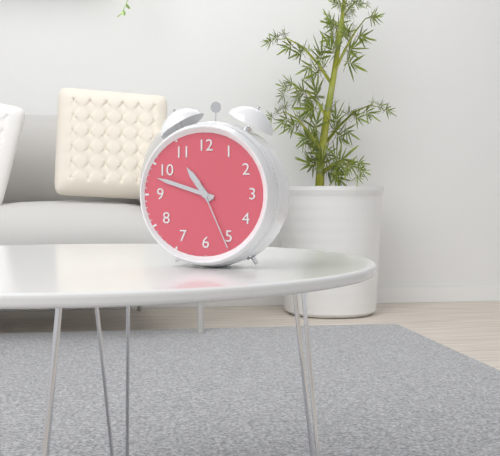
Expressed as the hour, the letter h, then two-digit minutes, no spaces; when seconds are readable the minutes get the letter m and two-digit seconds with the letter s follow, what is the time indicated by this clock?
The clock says 10h48m26s
